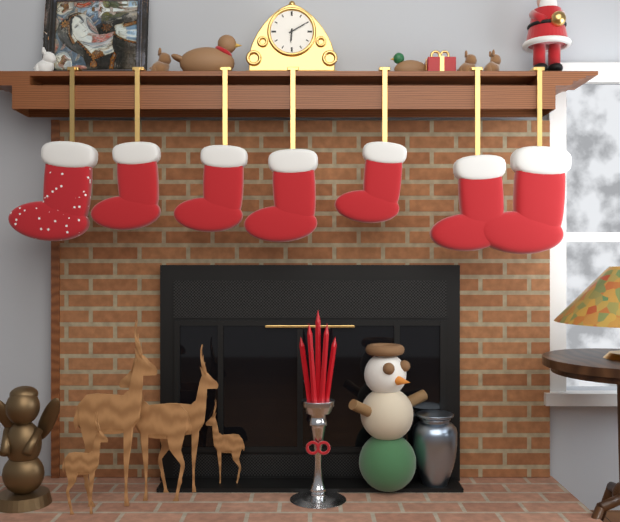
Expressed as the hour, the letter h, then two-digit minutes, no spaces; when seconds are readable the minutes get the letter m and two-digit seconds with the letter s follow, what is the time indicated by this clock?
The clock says 6h10
